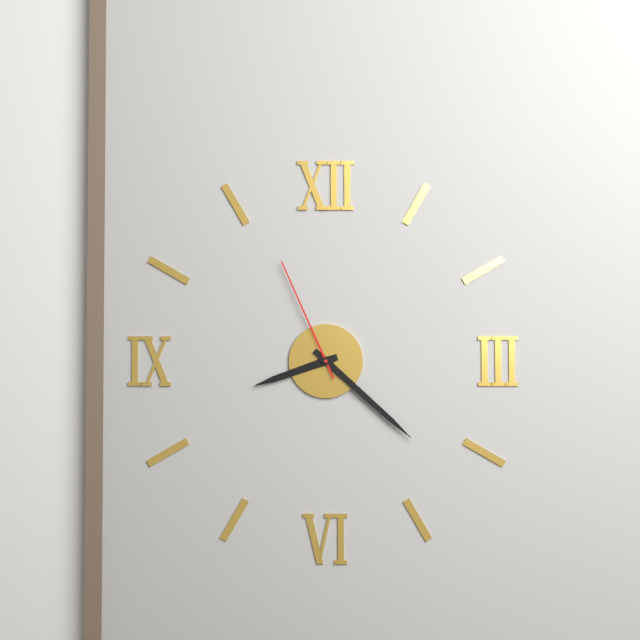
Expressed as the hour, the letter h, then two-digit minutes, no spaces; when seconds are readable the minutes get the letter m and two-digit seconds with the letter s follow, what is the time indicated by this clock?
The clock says 8h22m56s
